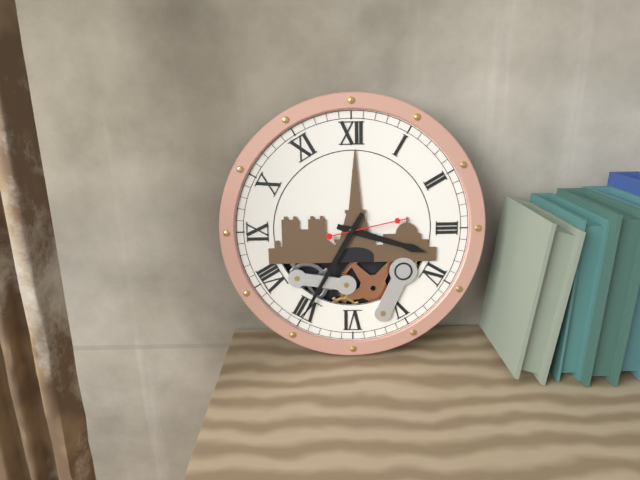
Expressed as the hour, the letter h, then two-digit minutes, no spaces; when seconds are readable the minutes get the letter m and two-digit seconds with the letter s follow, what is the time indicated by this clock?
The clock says 3h35m13s
